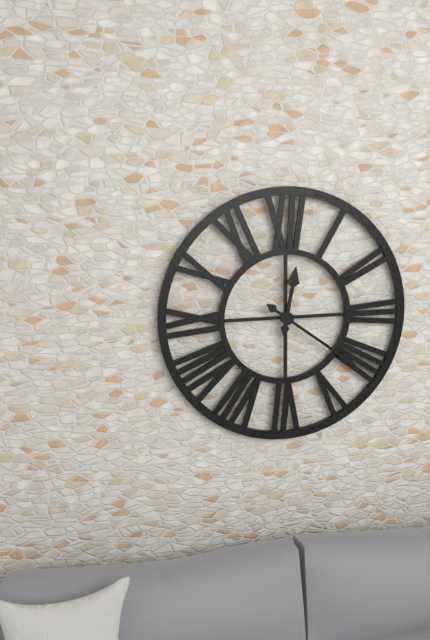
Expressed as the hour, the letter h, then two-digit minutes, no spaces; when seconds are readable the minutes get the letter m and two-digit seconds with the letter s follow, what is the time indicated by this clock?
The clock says 12h21
